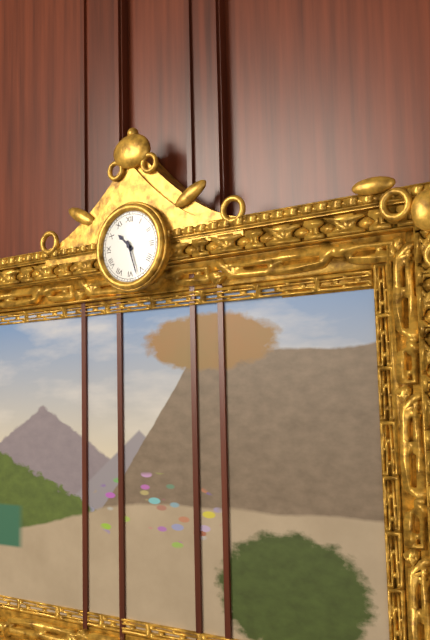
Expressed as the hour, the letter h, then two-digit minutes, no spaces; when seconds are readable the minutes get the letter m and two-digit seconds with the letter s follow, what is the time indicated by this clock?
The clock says 10h27
